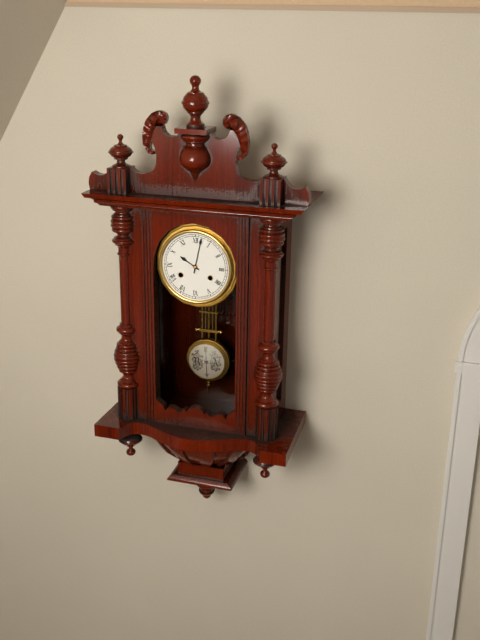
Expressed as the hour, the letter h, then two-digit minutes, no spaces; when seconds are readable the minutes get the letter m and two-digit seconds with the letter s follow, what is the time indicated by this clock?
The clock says 10h02
